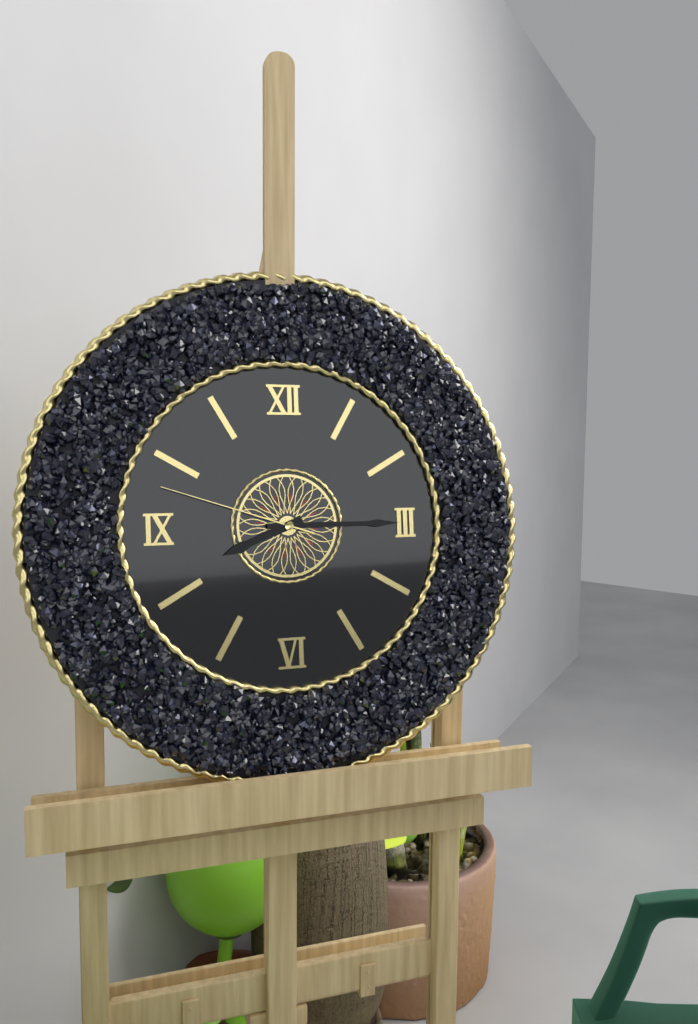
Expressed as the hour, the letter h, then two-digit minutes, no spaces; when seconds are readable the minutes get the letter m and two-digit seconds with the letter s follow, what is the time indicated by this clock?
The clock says 8h15m48s
